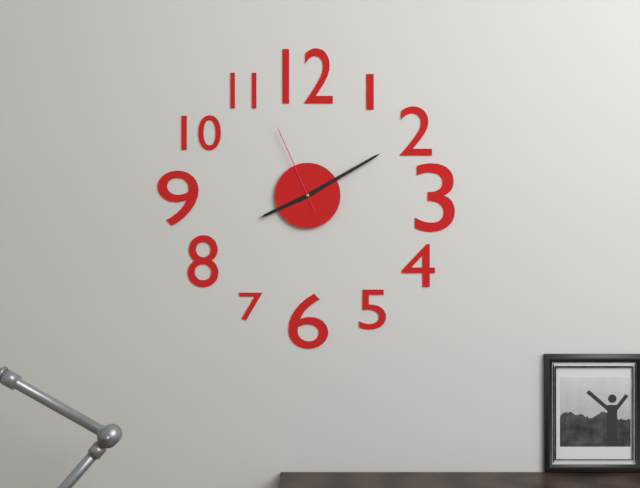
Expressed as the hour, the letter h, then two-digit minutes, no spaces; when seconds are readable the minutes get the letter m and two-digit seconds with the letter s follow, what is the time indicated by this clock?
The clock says 8h10m56s
